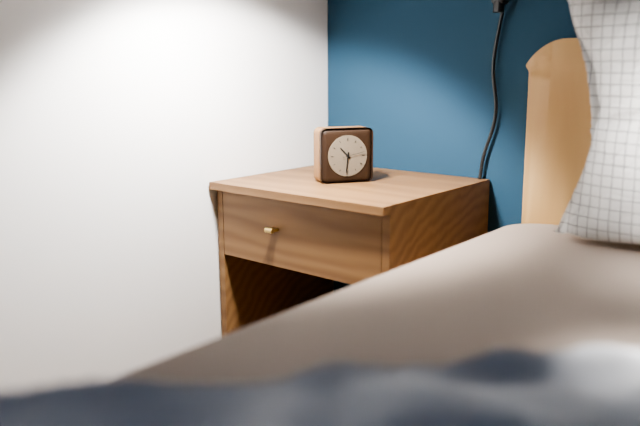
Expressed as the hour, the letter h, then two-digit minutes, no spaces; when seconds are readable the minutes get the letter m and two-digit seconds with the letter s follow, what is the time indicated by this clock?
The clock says 10h31
